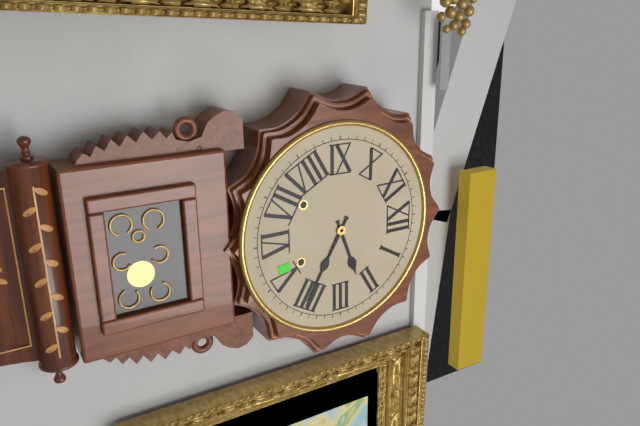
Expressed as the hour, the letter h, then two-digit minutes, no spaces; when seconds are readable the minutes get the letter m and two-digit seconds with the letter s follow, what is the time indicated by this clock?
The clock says 2h20
